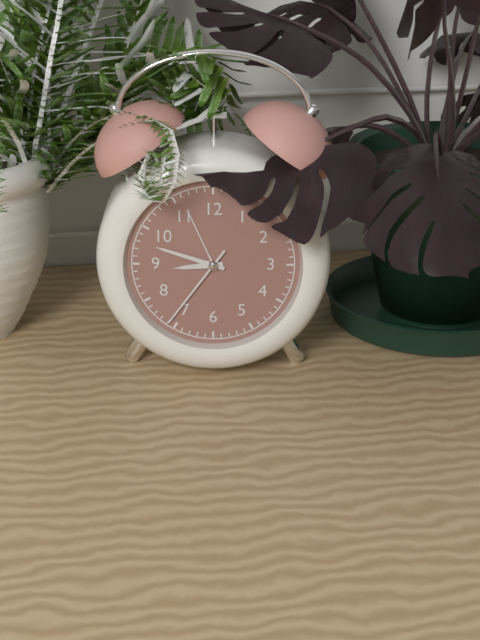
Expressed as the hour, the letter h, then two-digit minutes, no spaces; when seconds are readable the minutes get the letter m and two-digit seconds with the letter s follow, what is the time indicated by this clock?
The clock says 8h48m36s
